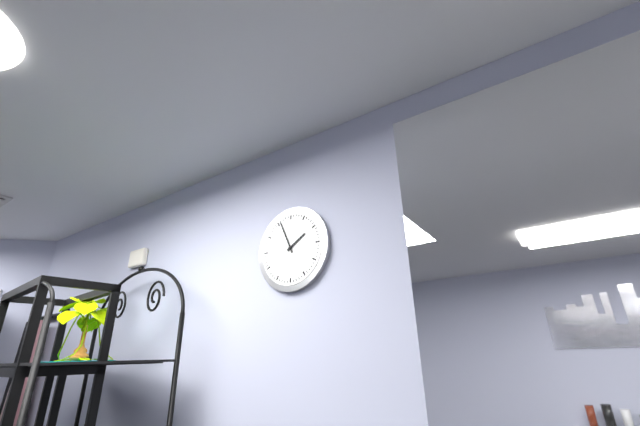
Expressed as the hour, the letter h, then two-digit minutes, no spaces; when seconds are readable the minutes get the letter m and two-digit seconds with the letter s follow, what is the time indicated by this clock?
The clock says 1h56
